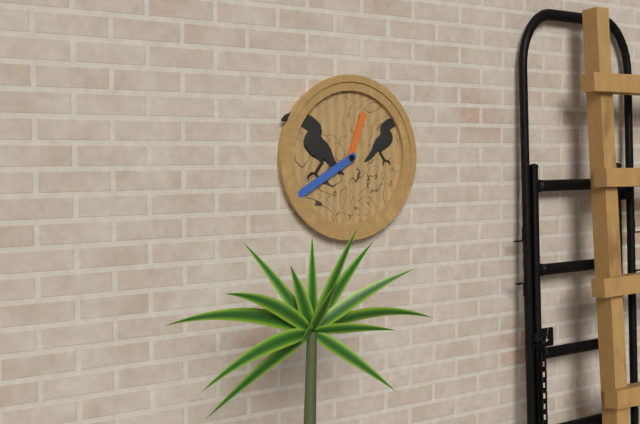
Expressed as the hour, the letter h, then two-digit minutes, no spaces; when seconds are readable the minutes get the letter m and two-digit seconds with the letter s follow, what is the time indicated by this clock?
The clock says 12h40
